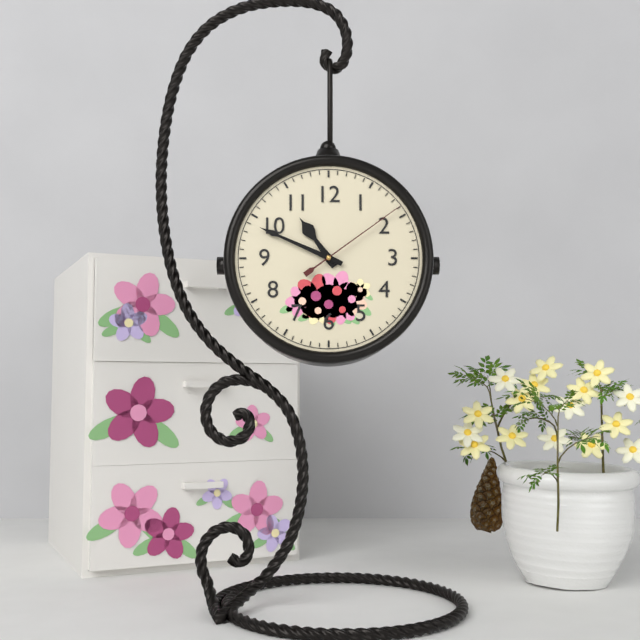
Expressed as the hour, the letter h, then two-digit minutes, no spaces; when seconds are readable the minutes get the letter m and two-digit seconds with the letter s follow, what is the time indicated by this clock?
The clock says 10h49m09s
